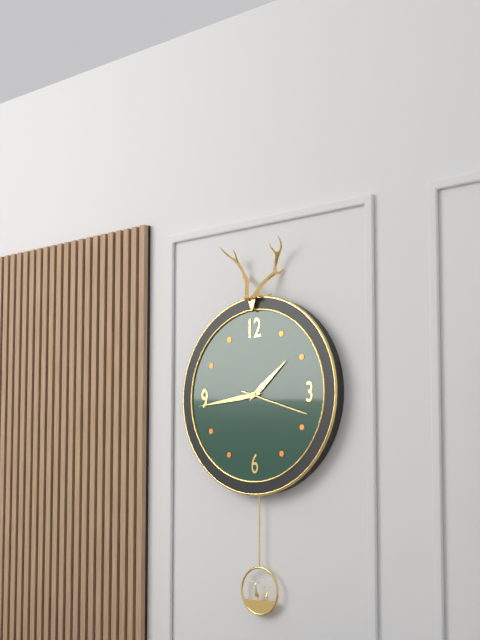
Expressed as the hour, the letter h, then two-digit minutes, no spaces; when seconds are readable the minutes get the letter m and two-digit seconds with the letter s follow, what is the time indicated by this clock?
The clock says 1h44m18s
